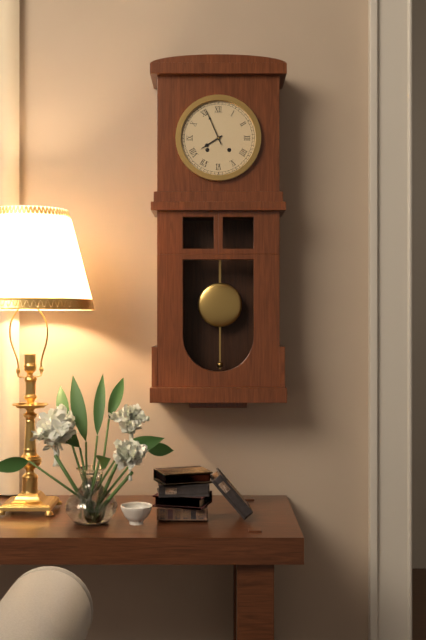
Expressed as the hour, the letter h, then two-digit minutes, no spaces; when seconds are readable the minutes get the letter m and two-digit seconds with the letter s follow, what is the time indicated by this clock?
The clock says 7h56
